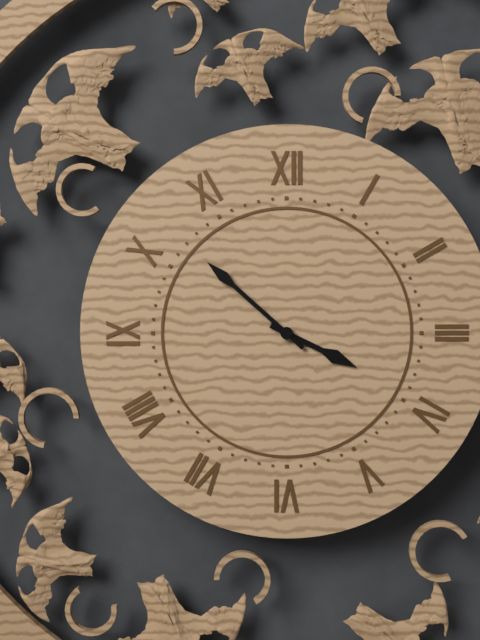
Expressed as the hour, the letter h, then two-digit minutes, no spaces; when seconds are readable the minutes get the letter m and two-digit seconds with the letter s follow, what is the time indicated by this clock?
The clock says 3h52
